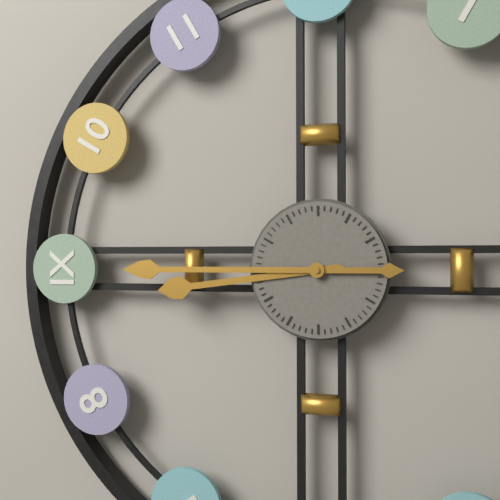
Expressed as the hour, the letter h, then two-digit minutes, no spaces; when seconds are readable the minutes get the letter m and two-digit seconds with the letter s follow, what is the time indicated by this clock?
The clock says 8h45
